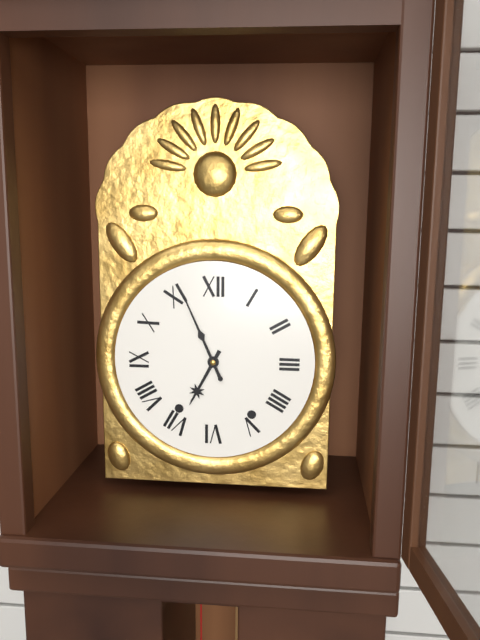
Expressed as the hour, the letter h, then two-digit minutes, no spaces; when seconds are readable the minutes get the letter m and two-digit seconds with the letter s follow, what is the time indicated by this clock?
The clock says 6h56
